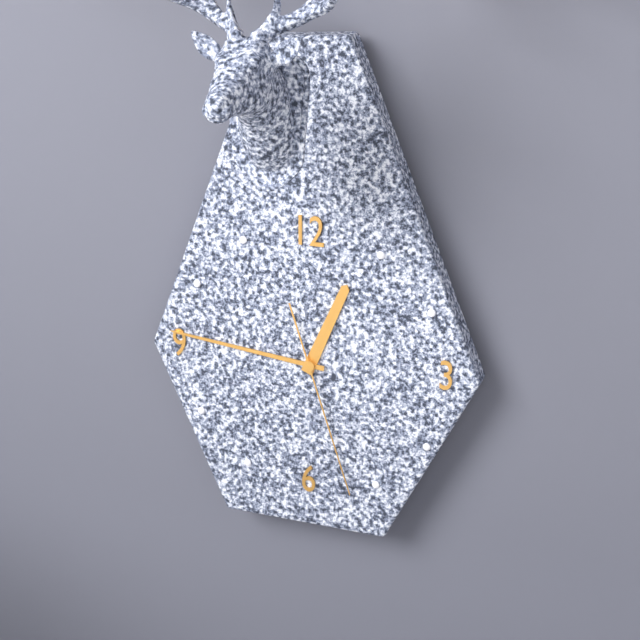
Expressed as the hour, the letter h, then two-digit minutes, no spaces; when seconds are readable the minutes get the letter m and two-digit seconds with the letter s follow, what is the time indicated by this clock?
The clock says 12h46m27s
